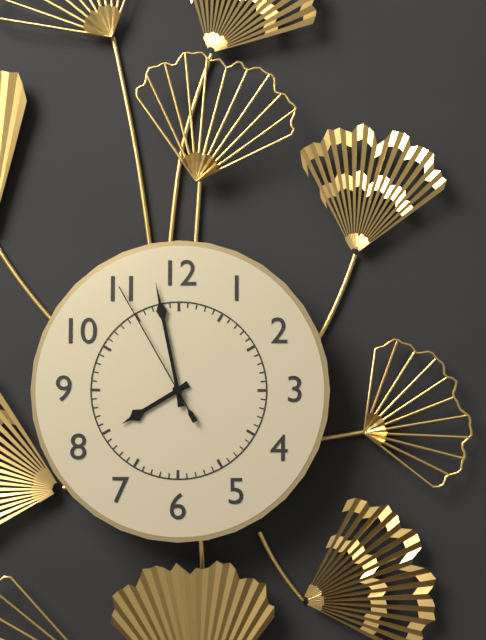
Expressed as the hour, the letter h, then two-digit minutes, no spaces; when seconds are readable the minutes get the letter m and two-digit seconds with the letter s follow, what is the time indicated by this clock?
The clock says 7h58m55s
